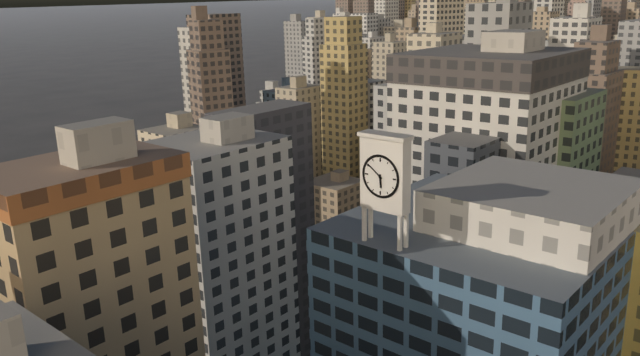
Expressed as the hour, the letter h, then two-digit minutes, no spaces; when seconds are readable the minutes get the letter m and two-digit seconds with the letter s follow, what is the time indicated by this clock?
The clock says 5h51
